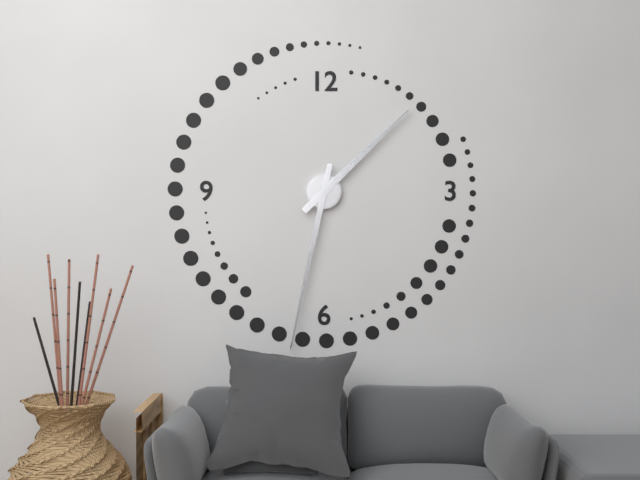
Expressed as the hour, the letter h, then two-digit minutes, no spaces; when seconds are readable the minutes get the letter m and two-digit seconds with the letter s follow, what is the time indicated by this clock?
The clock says 1h32
